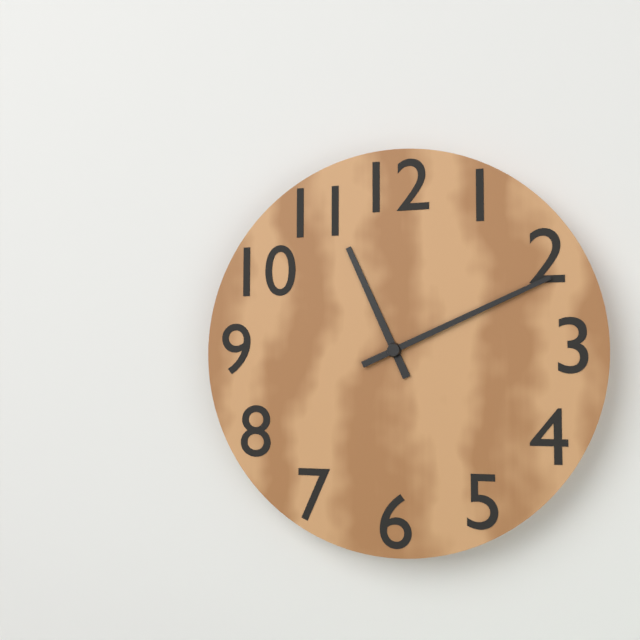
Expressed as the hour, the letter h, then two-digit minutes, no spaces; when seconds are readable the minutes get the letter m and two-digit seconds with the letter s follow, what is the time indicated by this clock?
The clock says 11h11
